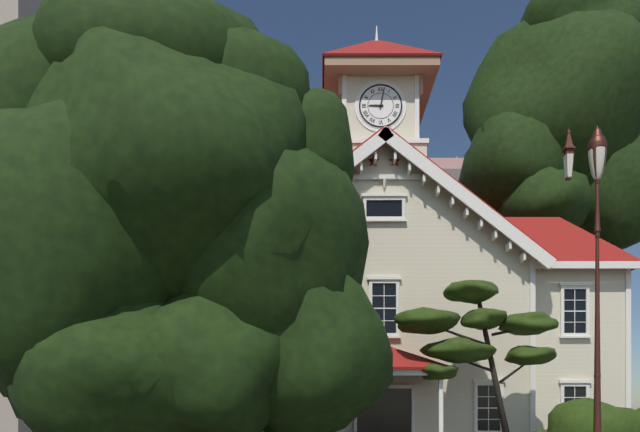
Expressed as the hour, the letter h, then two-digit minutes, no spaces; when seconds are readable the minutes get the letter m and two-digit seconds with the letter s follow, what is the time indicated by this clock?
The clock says 9h02
